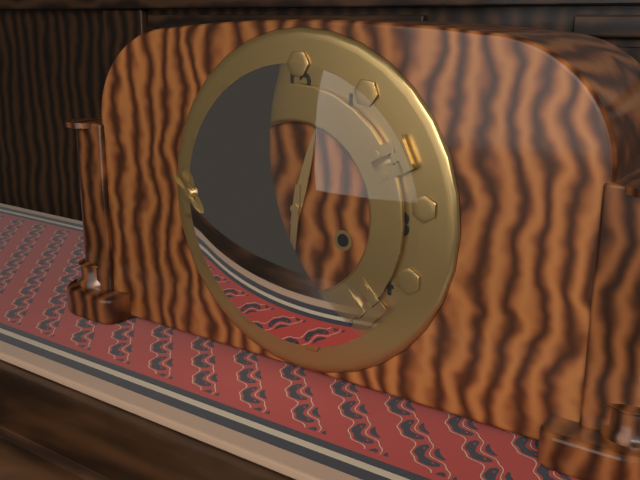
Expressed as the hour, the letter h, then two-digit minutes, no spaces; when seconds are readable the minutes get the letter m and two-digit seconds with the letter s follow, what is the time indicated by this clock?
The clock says 12h31
